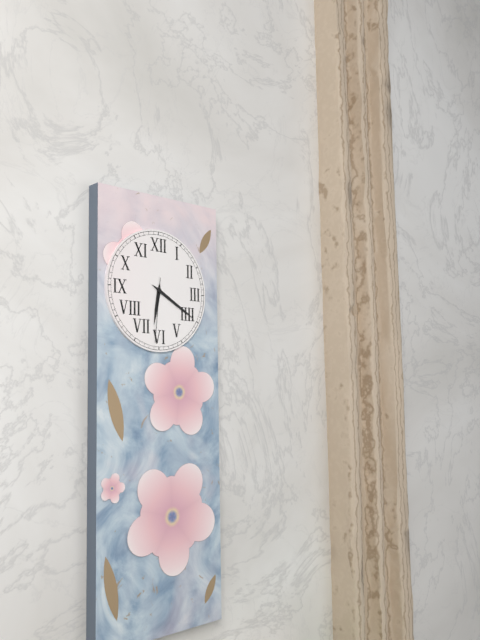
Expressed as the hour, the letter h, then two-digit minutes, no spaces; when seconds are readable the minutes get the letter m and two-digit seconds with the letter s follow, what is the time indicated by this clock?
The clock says 6h20m31s
